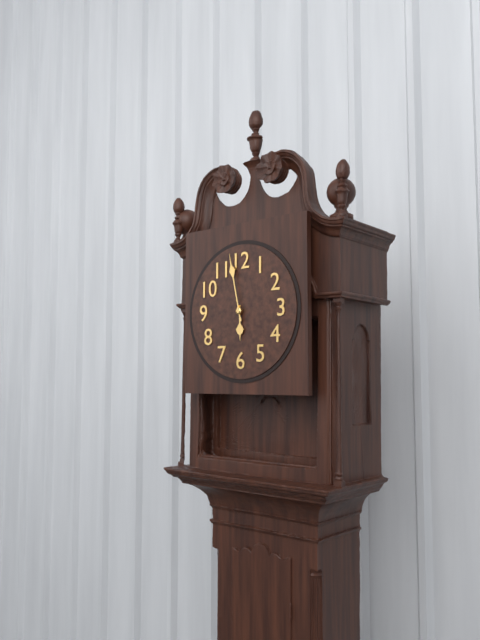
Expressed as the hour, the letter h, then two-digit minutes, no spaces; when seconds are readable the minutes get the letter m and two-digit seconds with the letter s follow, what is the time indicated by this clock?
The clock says 5h58
